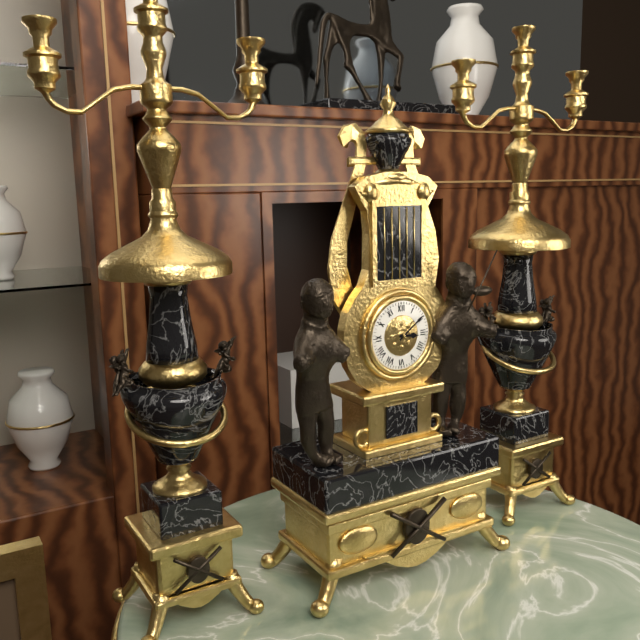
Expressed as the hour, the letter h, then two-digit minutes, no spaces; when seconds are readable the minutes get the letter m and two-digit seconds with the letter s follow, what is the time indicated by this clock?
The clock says 3h09
